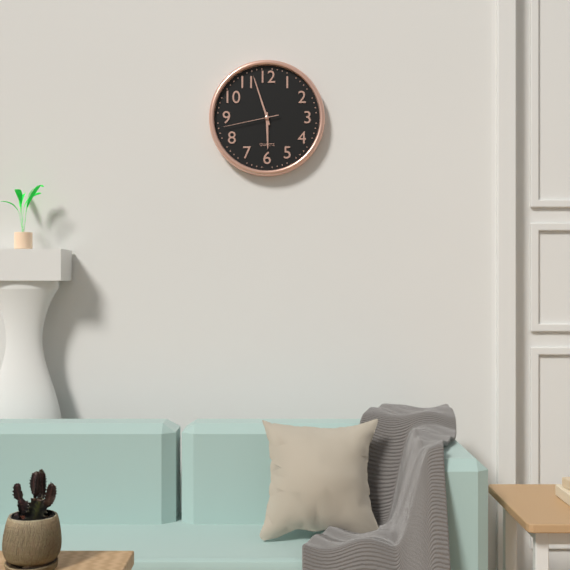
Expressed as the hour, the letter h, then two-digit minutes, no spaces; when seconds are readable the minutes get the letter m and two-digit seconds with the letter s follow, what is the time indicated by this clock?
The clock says 5h57m43s
